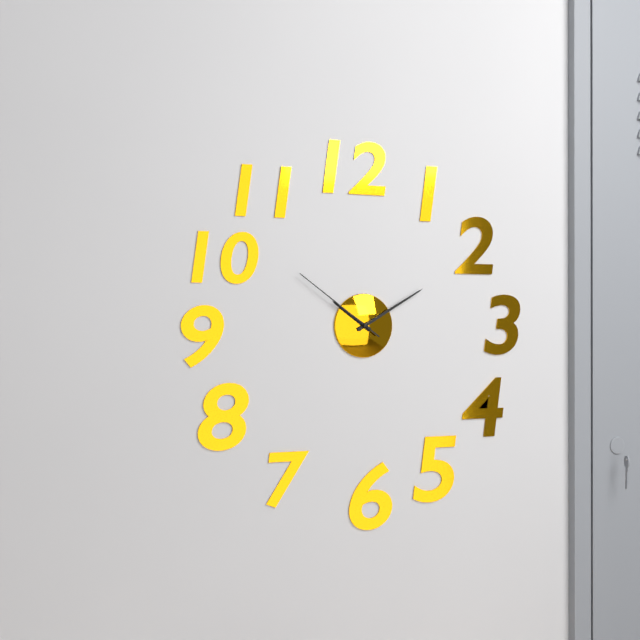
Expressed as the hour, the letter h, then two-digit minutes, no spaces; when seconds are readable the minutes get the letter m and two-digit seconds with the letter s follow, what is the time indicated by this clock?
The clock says 10h10m51s
